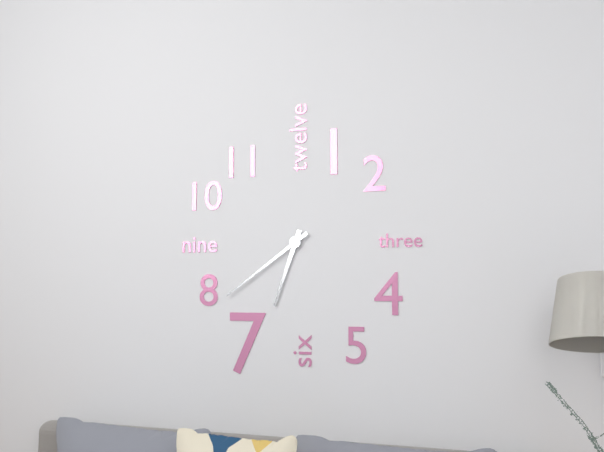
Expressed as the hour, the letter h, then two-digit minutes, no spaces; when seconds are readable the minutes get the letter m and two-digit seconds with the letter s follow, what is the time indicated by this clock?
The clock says 6h39
